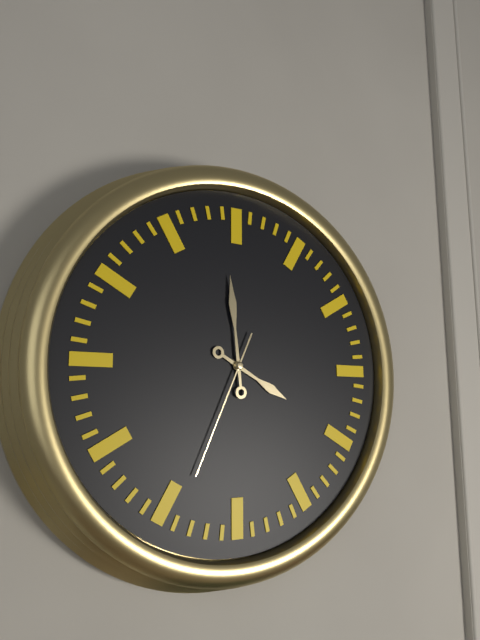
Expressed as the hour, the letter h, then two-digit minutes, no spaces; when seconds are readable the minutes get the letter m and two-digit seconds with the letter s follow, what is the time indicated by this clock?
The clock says 3h59m34s
